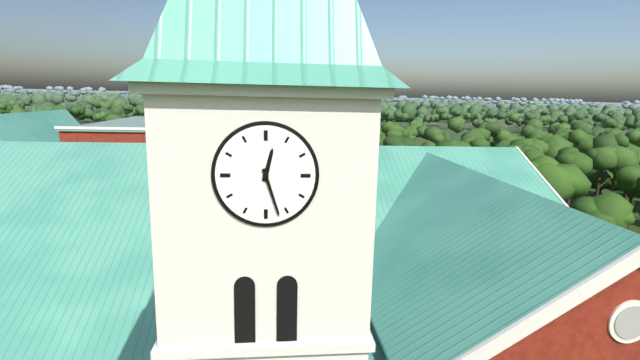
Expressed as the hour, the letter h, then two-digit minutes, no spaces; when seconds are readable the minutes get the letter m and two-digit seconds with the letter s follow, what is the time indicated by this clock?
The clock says 12h27
